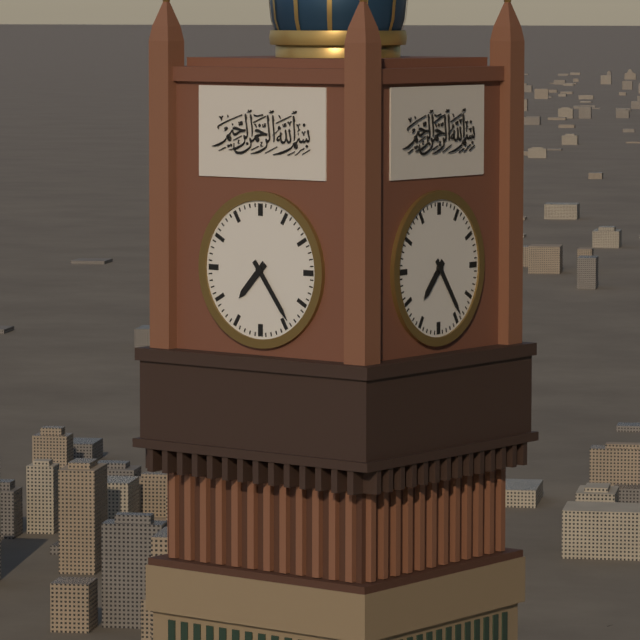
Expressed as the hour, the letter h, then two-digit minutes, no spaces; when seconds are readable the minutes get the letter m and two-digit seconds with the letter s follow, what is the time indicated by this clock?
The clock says 7h24
